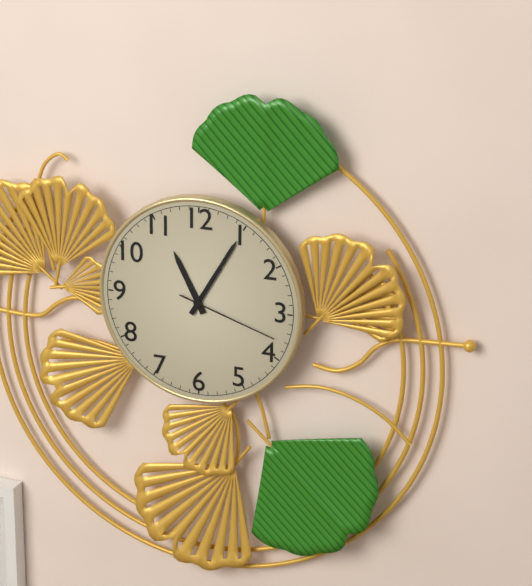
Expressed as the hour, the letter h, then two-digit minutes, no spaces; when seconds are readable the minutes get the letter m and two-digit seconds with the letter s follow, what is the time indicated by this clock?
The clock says 11h05m18s
